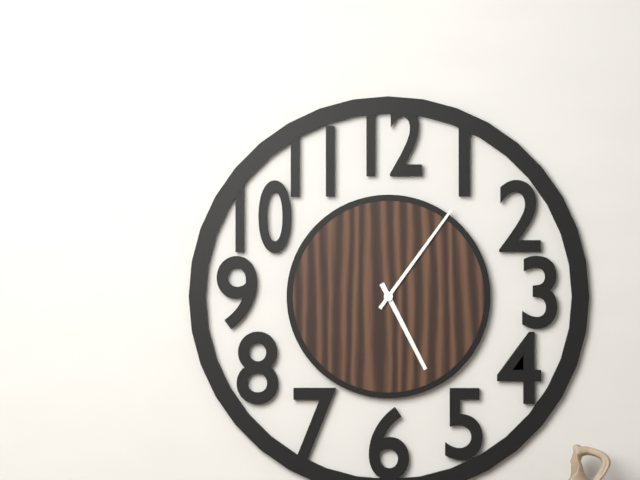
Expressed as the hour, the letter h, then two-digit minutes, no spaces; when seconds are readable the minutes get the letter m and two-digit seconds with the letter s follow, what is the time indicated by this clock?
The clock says 5h06
